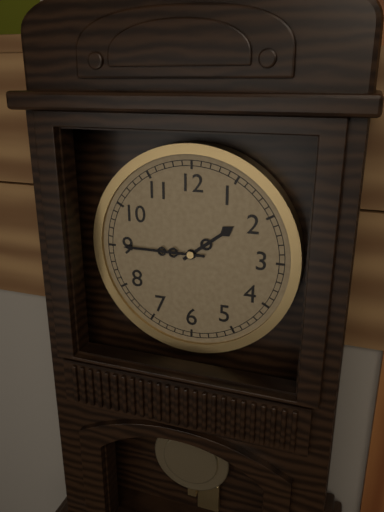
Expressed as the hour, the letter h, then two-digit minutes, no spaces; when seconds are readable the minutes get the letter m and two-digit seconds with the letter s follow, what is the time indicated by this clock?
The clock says 1h45
